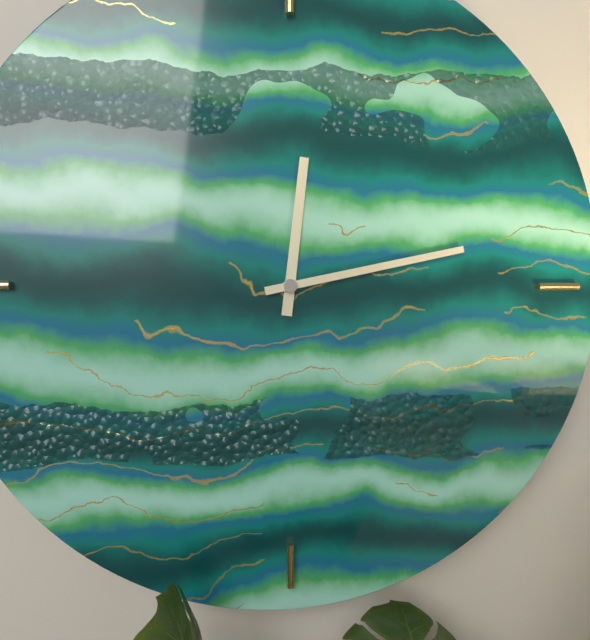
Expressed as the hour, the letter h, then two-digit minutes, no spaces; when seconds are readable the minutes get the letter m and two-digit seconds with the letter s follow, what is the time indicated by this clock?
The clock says 12h13
